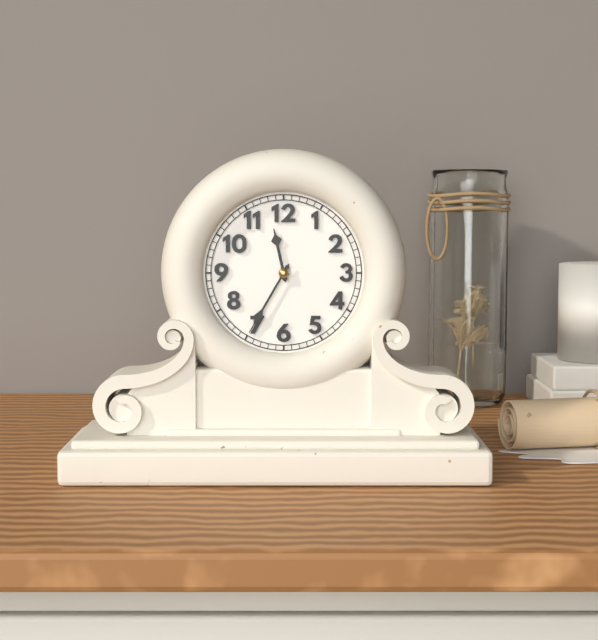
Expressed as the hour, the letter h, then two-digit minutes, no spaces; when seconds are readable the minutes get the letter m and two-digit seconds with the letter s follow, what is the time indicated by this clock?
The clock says 11h35
